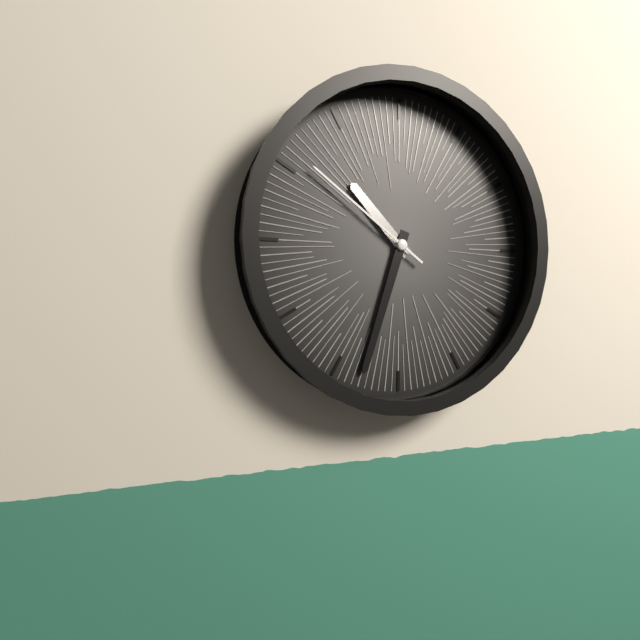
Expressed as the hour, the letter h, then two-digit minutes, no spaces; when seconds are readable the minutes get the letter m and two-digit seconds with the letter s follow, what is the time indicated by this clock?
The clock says 10h33m51s
